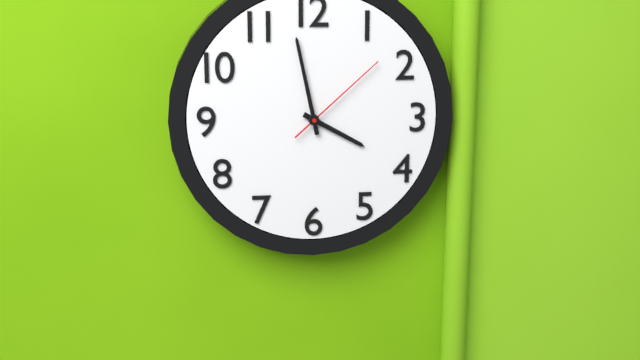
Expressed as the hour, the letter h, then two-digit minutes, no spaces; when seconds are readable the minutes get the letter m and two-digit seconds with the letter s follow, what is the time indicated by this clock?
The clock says 3h58m08s
